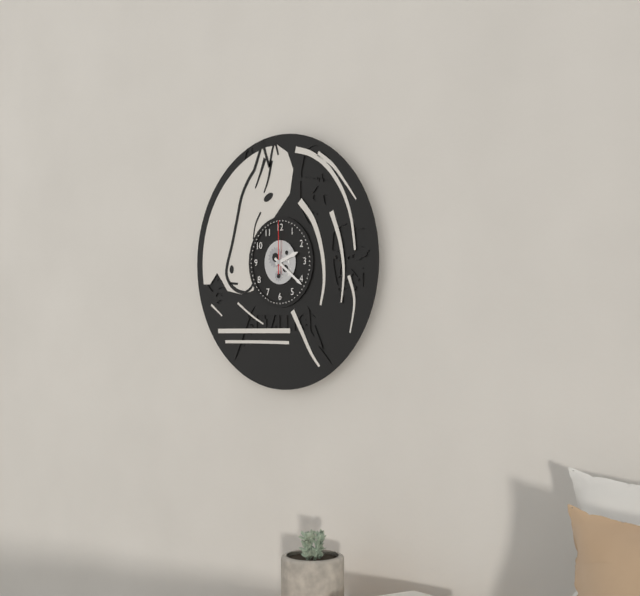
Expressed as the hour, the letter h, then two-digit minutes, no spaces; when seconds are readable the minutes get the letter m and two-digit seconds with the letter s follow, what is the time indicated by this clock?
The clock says 2h21m00s
